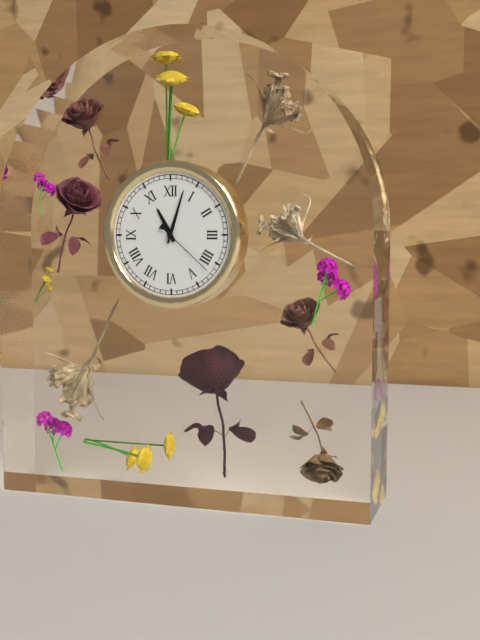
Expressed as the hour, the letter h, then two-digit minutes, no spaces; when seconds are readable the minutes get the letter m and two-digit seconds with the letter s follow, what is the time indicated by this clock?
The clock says 11h03m22s
